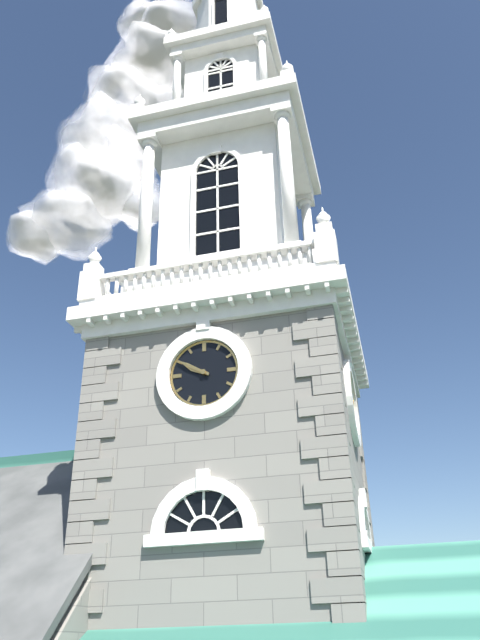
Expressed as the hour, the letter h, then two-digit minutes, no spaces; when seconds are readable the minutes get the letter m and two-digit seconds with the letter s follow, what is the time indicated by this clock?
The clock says 9h50
